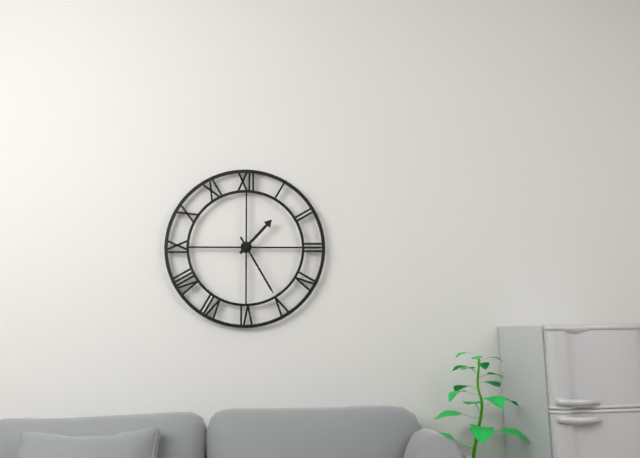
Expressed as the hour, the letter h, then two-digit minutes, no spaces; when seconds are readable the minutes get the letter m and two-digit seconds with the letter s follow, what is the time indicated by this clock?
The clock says 1h25
